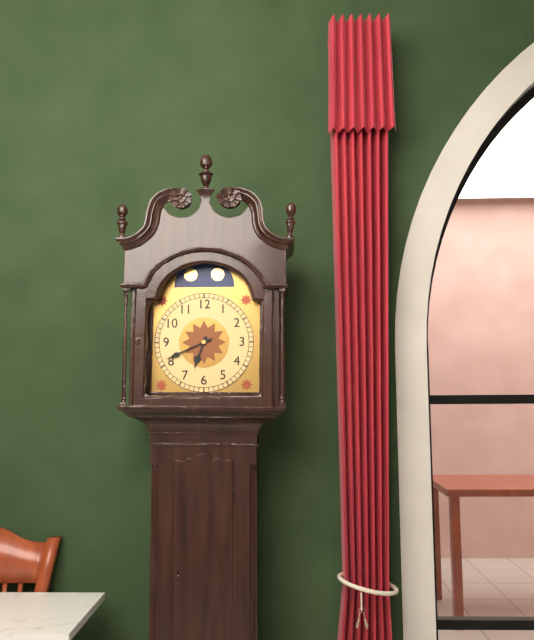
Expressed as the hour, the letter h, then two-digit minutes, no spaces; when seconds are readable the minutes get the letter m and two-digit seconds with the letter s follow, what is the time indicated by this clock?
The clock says 6h41
